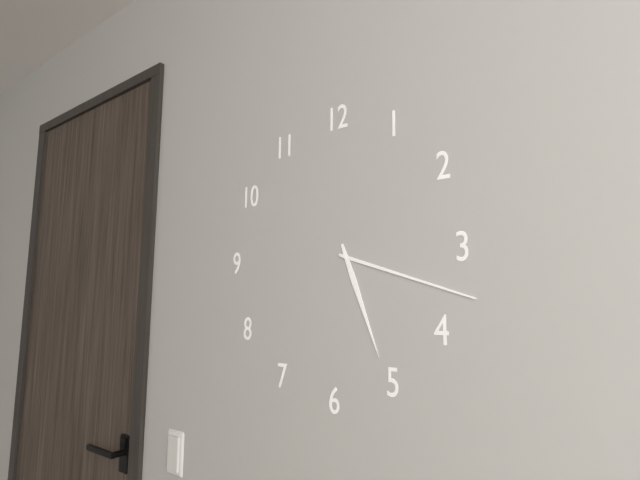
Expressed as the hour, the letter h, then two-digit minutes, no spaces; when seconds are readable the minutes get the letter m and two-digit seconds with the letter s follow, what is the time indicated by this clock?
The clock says 5h18
